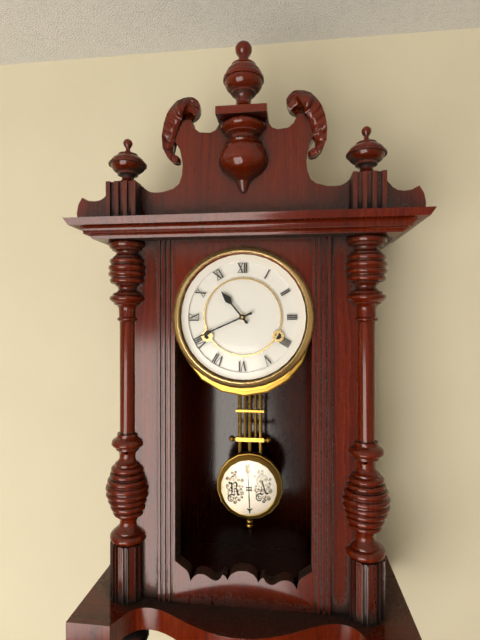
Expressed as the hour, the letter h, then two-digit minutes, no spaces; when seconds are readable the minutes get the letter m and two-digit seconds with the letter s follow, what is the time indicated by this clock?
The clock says 10h41
